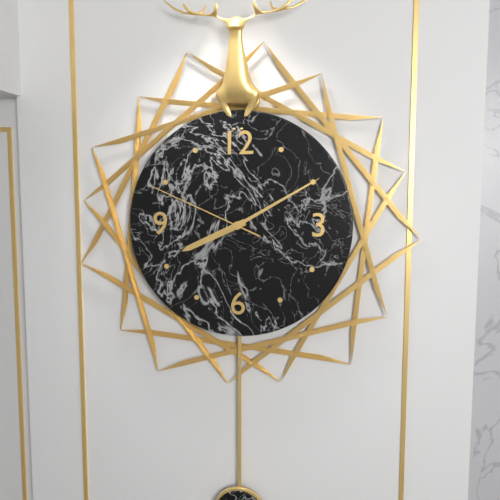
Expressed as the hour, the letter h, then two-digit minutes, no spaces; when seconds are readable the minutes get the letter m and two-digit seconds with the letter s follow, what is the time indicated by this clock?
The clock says 8h10m49s
